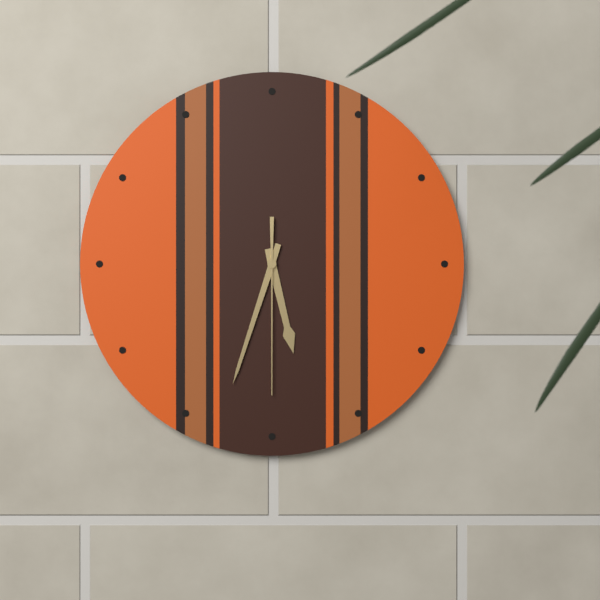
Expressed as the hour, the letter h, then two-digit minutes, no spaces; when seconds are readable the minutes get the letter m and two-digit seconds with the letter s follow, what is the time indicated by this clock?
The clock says 5h33m30s
